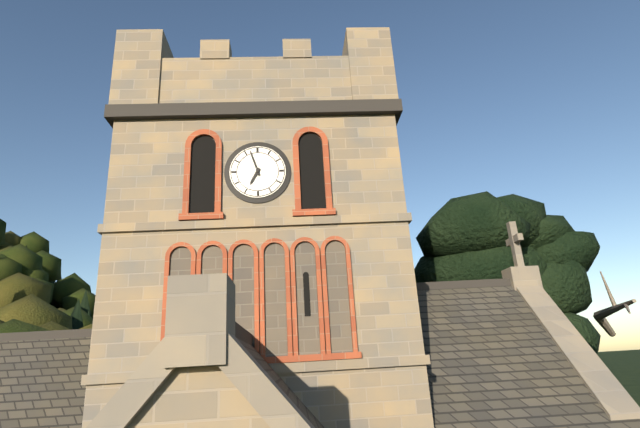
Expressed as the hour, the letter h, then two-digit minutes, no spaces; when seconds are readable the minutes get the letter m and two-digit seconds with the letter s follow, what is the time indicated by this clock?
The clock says 6h57
